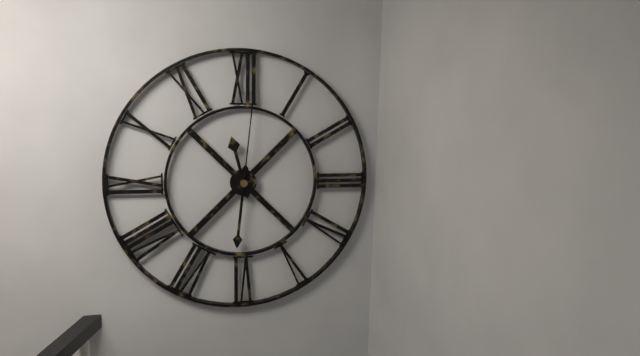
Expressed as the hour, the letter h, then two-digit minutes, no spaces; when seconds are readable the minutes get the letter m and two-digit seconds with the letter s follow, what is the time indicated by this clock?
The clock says 11h31m01s
